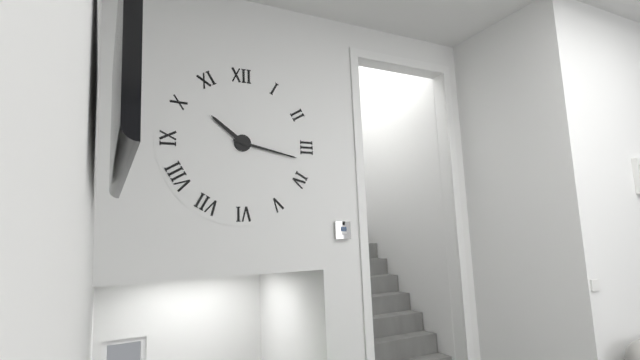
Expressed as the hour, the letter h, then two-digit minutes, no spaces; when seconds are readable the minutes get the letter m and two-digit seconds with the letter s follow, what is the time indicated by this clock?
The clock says 10h17
